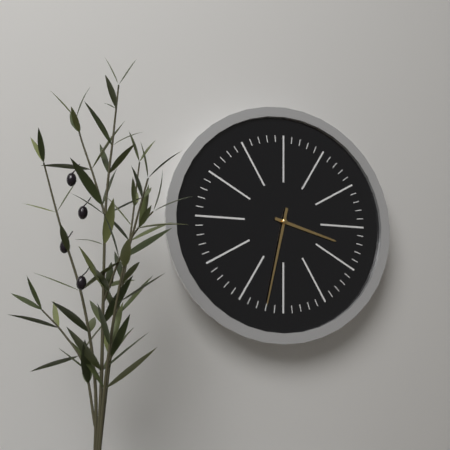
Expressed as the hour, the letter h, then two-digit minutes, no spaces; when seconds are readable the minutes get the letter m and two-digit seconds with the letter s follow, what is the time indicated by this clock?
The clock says 3h32
